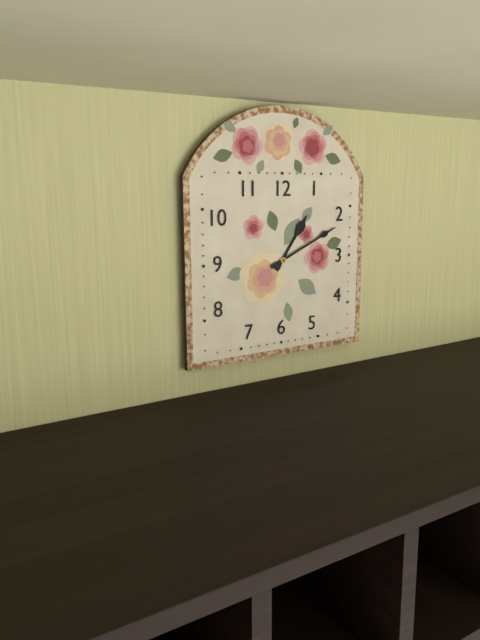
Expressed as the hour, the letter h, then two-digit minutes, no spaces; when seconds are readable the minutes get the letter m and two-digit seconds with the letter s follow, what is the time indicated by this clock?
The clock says 1h11
